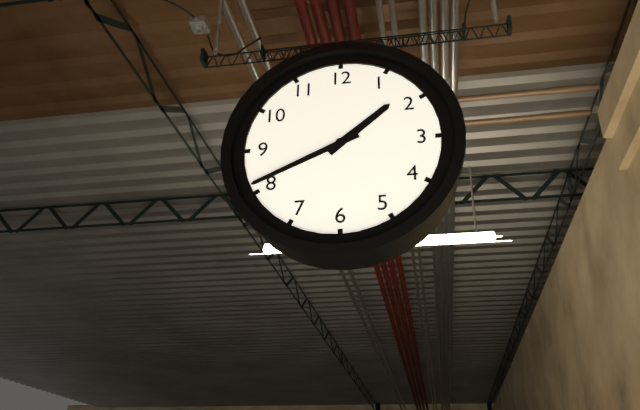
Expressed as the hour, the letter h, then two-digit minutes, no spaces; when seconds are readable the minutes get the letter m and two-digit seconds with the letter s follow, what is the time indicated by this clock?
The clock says 1h41
